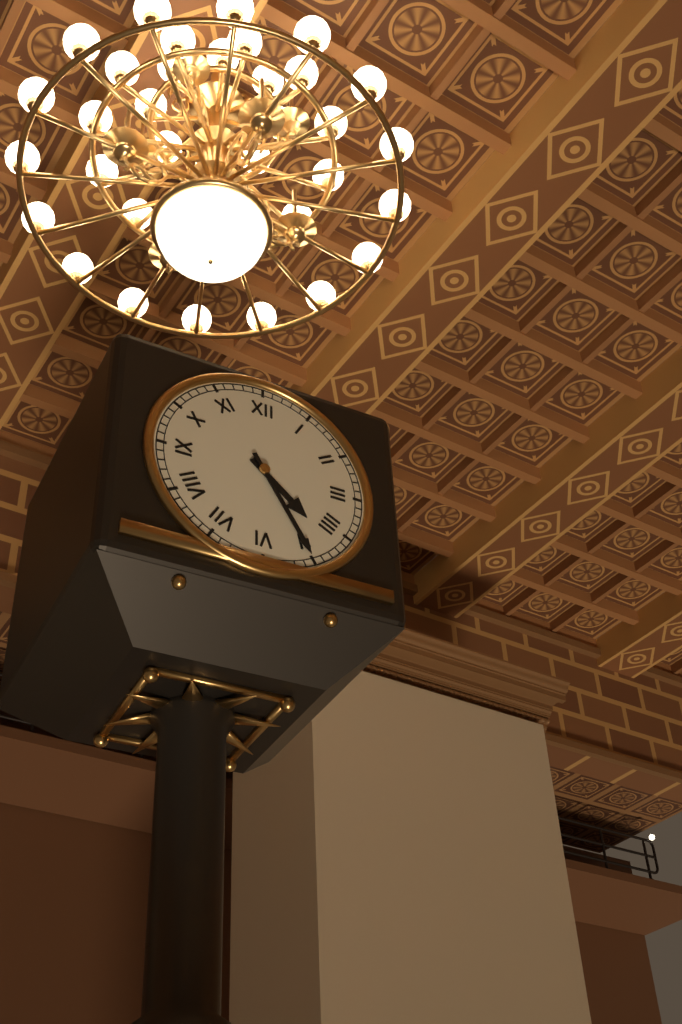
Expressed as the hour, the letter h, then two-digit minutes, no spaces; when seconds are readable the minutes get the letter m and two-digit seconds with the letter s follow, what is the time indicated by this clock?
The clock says 4h25
